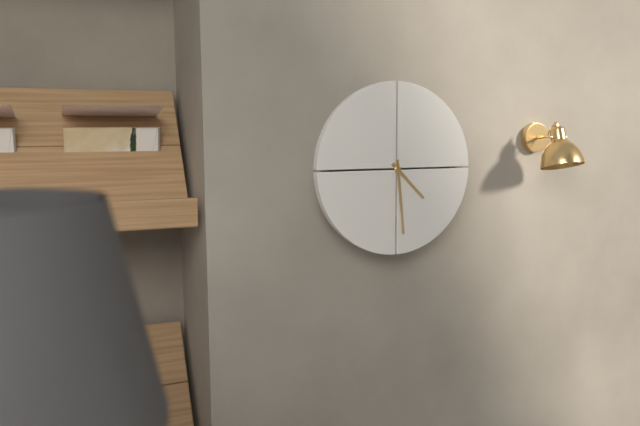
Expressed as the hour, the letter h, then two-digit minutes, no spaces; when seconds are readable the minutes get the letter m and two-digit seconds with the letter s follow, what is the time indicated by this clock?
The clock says 4h29
